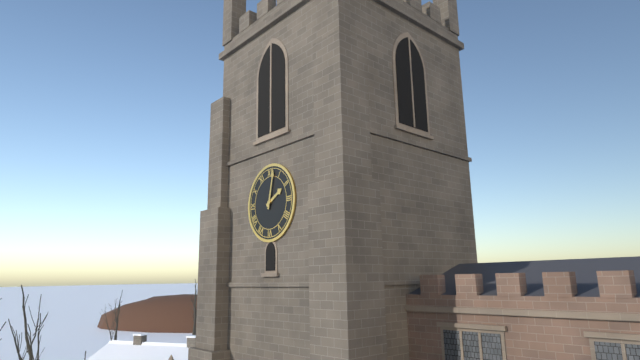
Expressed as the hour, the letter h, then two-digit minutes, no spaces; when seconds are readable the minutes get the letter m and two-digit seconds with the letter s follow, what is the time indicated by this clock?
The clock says 2h02
